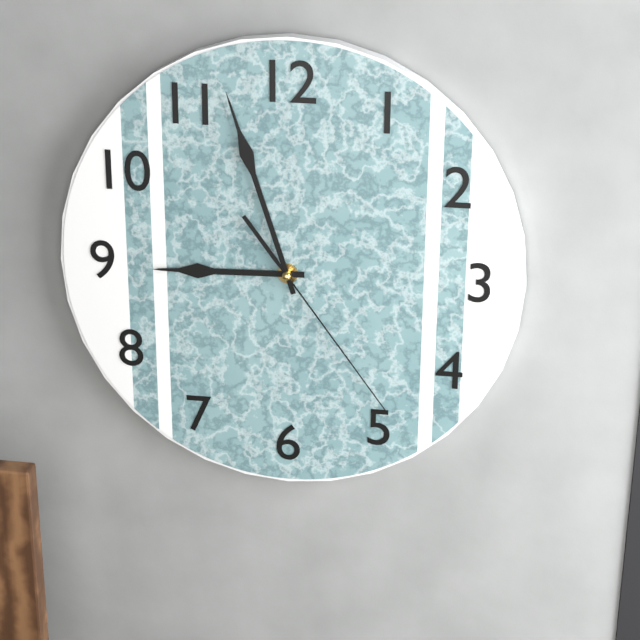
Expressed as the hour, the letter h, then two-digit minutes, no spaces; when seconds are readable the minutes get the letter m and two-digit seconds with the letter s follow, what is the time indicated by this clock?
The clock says 8h57m24s
